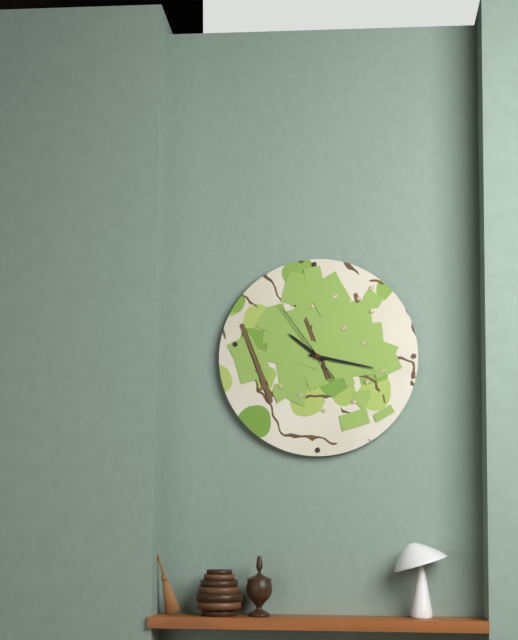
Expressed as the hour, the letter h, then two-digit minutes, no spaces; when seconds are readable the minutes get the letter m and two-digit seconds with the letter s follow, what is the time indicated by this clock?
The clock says 10h17m54s
